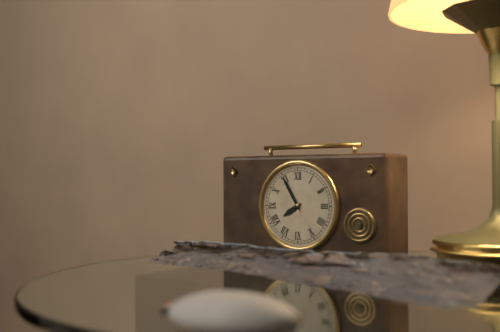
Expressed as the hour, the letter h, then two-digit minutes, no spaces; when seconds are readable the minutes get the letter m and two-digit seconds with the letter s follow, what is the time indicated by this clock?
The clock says 7h55
